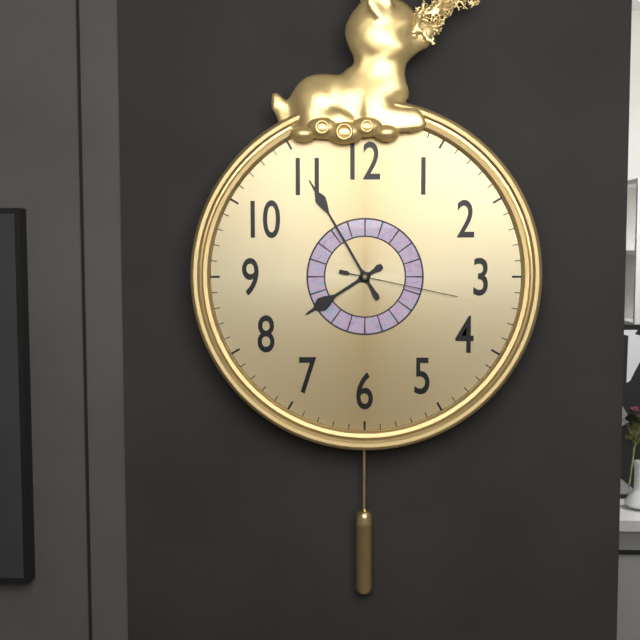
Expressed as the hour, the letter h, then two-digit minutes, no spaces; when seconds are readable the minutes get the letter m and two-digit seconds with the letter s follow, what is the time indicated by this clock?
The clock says 7h55m17s
